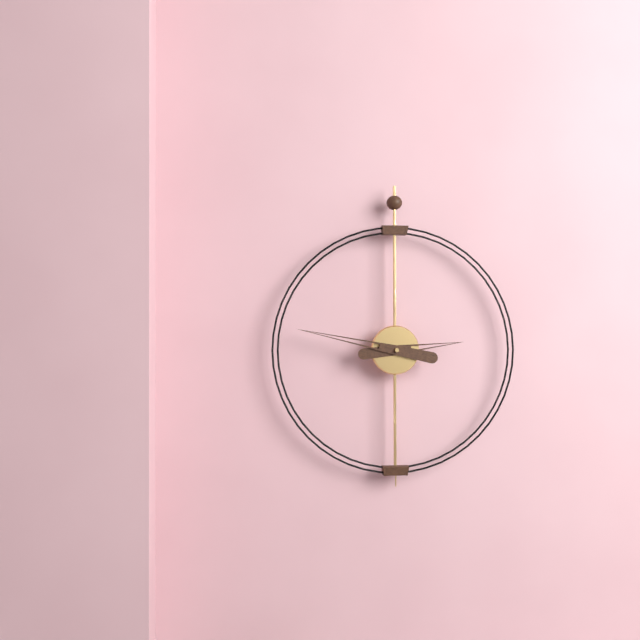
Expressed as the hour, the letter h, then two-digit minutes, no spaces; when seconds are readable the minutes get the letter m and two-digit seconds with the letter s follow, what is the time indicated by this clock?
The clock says 2h47
